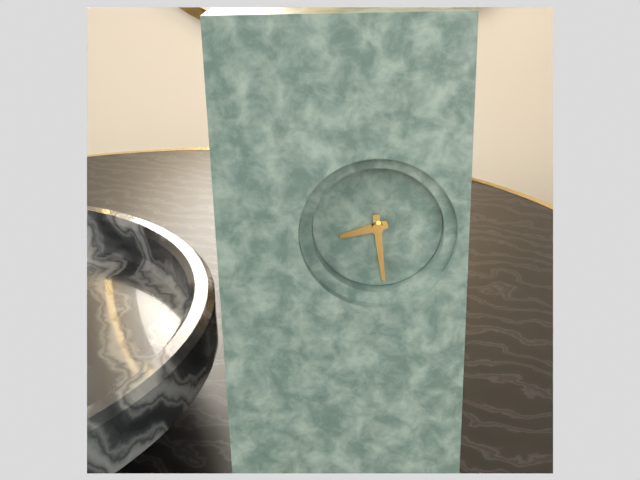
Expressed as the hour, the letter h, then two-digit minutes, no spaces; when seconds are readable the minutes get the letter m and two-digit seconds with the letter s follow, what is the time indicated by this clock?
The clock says 8h29
